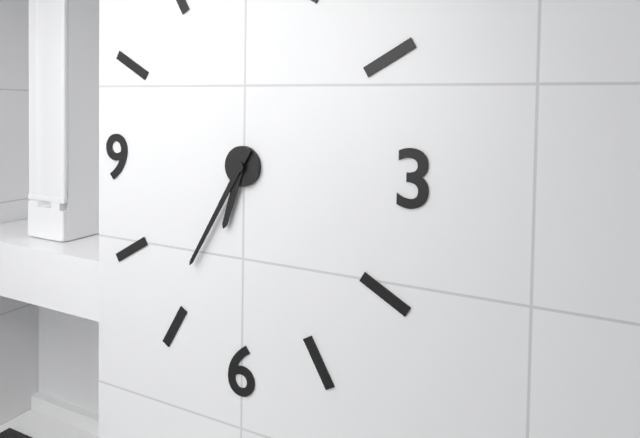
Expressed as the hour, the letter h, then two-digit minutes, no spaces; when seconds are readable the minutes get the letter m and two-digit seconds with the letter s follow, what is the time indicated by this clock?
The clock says 6h35
